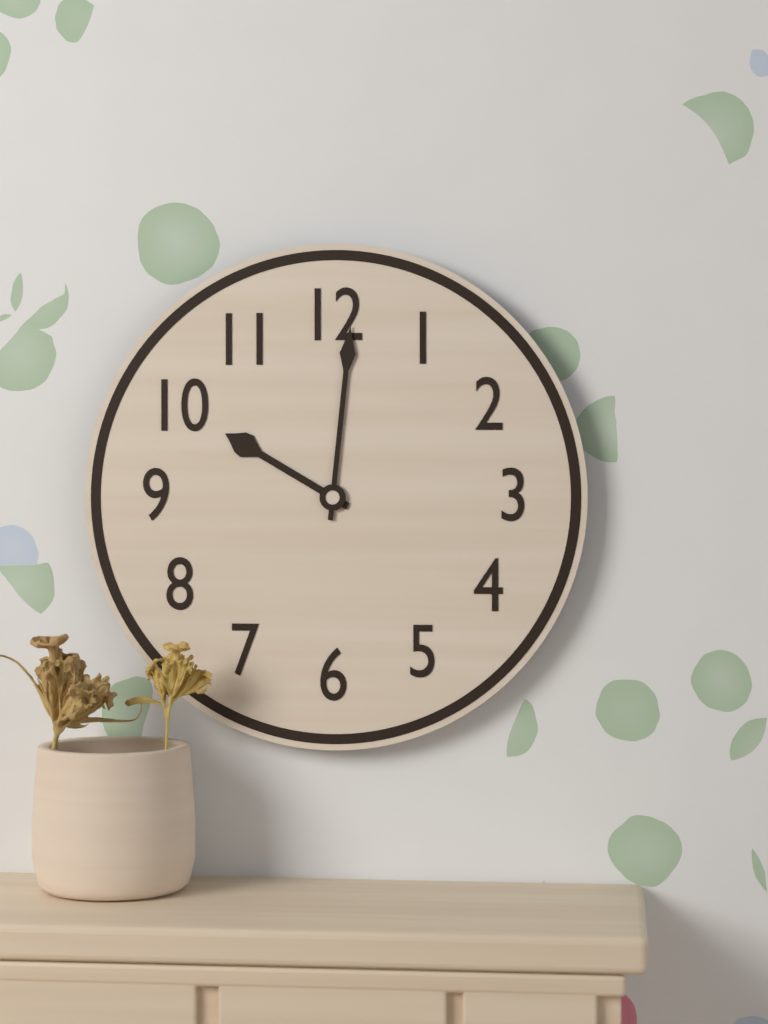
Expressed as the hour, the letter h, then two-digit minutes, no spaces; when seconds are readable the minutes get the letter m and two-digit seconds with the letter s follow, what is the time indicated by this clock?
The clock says 10h01
